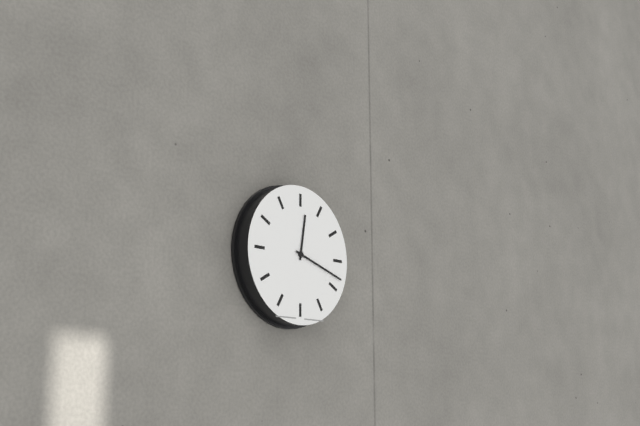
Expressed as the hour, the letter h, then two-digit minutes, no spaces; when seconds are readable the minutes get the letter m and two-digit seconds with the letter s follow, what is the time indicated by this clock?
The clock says 12h18
